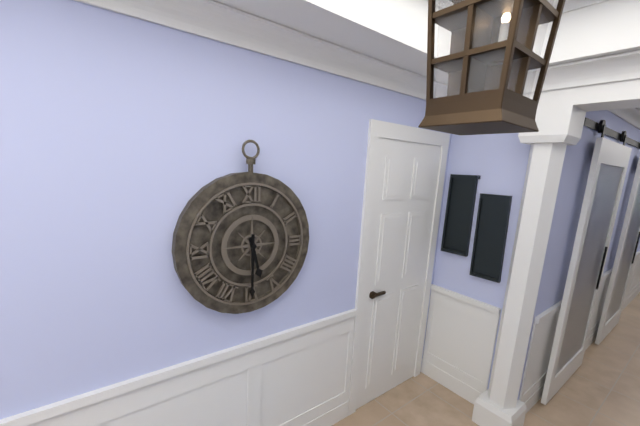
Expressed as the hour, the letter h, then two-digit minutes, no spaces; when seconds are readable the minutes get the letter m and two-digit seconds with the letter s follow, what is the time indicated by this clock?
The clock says 5h30
